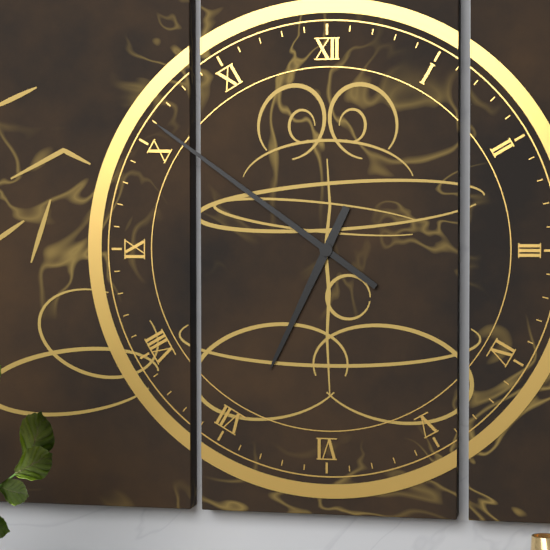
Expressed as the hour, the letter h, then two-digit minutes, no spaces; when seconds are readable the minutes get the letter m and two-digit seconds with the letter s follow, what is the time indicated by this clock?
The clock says 6h51
